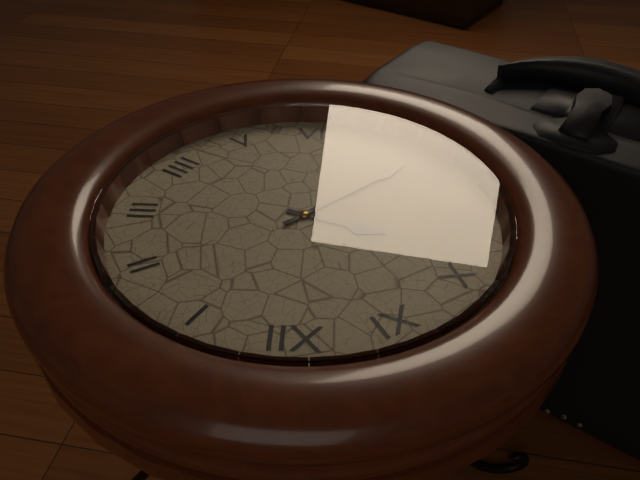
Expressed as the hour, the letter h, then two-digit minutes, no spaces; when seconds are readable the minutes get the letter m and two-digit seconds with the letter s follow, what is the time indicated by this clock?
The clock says 9h38
